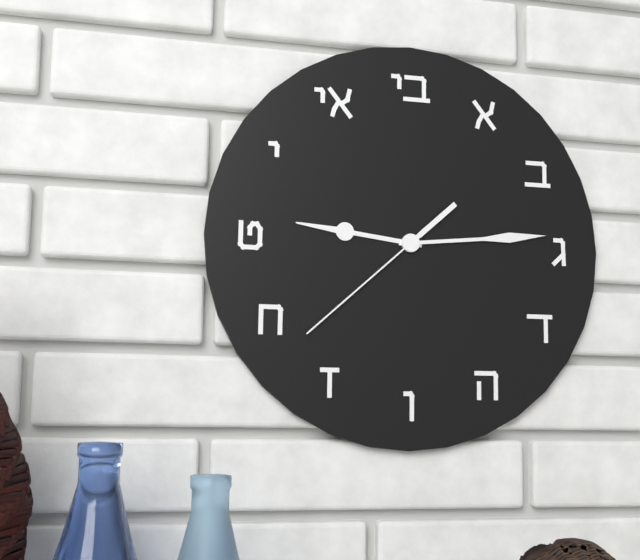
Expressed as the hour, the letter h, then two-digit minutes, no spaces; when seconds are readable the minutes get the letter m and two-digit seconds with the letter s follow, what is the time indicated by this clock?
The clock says 9h14m38s
